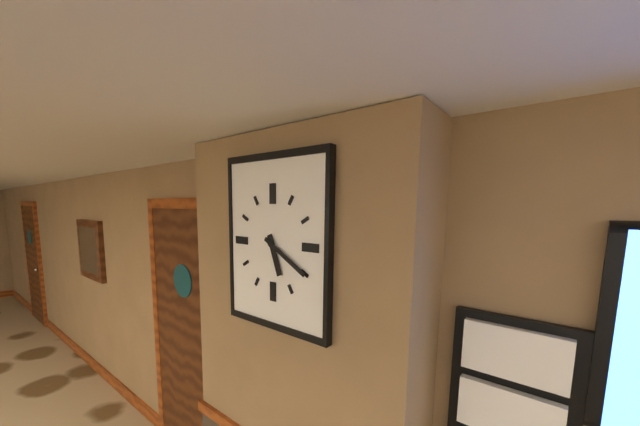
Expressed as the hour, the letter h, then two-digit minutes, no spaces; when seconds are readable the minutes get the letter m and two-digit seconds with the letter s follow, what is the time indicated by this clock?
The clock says 5h20
